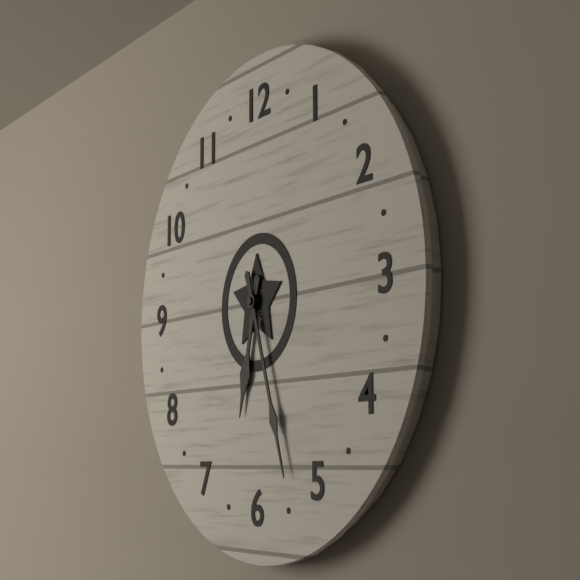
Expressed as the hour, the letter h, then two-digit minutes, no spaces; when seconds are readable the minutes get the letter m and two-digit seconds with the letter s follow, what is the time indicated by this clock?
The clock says 6h27
